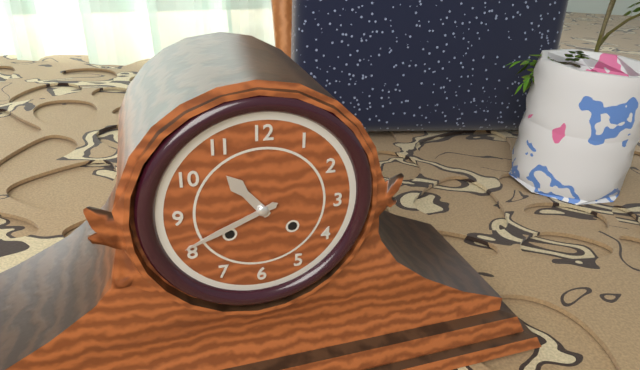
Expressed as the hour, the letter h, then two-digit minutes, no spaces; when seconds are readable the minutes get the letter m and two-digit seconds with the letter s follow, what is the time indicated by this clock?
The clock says 10h41
